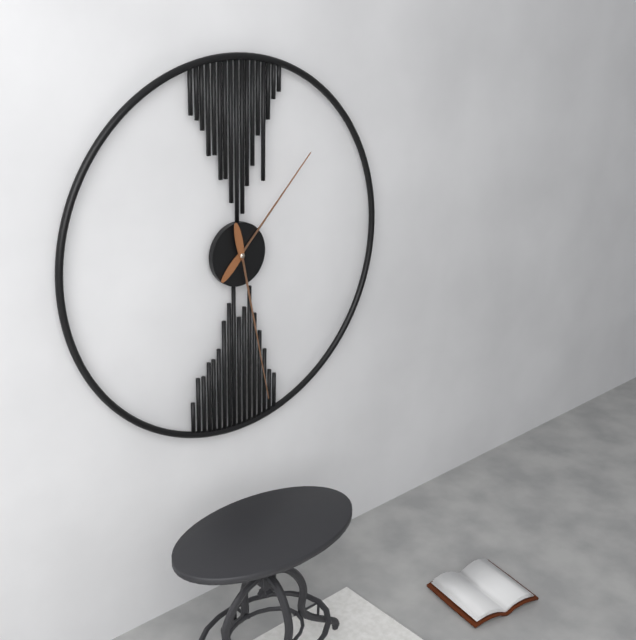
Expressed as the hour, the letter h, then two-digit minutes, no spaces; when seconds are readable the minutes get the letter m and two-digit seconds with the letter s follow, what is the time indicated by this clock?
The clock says 1h28
